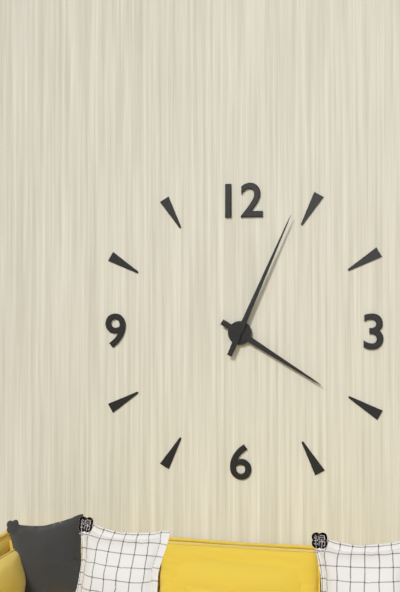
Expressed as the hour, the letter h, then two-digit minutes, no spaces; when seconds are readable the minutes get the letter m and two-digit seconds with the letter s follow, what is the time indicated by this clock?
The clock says 4h04
